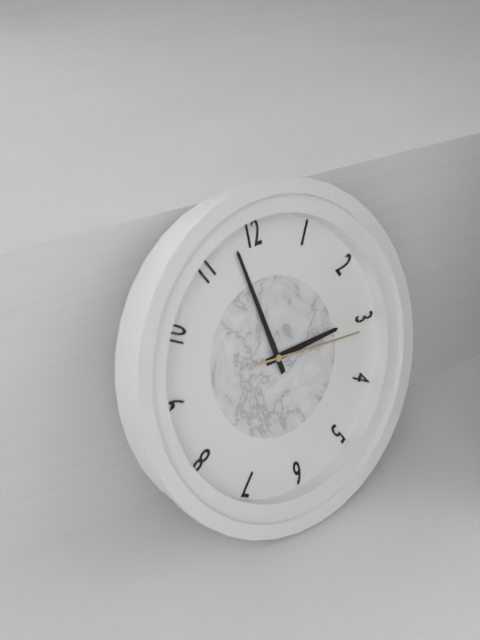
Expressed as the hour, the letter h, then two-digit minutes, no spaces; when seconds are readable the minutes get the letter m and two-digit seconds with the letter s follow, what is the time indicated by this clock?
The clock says 2h58m16s
